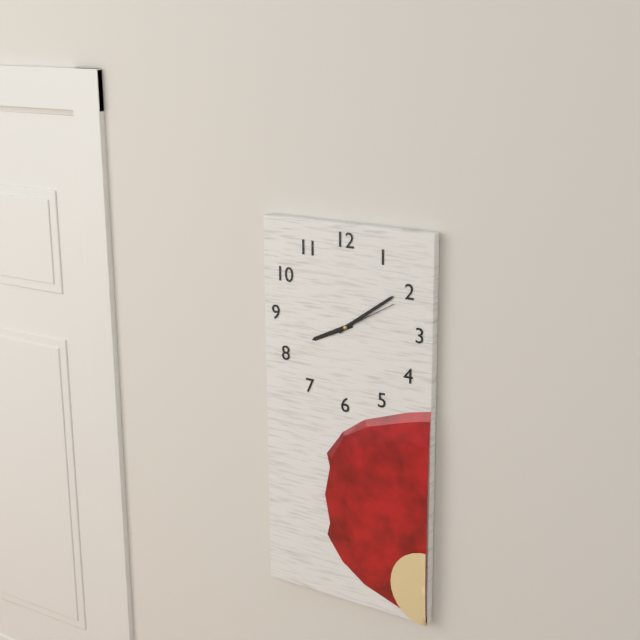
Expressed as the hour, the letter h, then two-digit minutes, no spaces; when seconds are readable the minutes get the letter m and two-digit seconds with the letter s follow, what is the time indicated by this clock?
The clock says 8h09m10s
